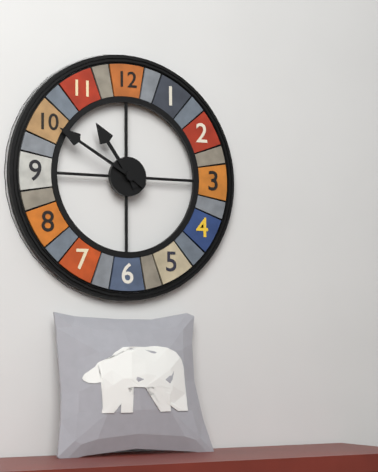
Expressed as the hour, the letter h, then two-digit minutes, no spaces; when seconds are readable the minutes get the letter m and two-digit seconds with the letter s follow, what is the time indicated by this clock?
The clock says 10h50
